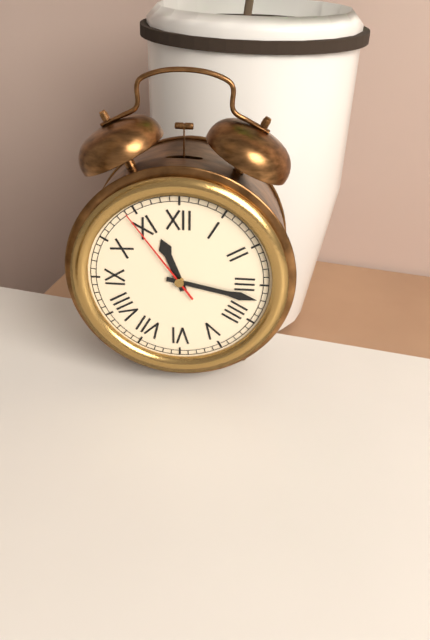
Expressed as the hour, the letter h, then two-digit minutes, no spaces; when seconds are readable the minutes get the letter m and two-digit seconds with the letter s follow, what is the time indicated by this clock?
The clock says 11h17m54s
